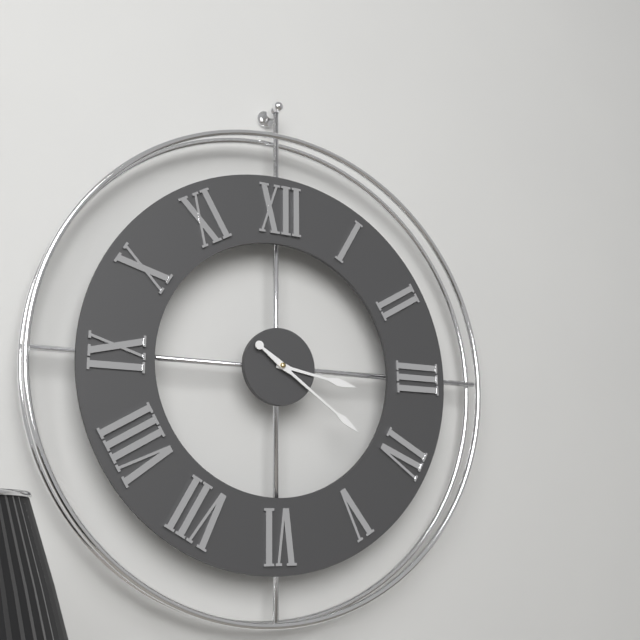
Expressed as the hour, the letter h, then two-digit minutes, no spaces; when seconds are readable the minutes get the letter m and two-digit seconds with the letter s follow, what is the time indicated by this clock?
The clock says 3h21
